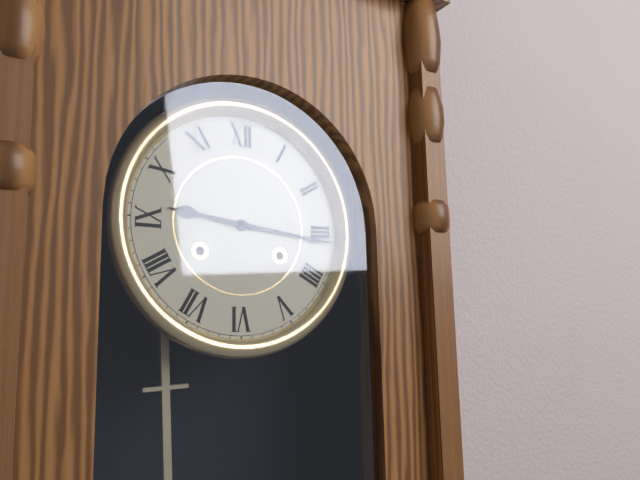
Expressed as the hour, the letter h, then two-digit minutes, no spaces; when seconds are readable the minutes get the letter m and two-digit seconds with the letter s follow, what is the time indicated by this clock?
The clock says 9h16
